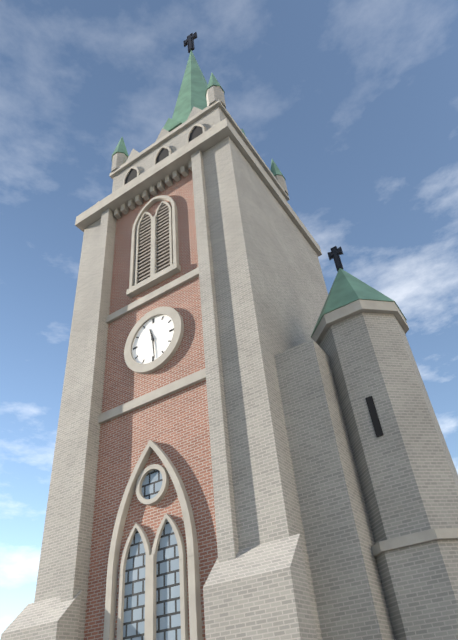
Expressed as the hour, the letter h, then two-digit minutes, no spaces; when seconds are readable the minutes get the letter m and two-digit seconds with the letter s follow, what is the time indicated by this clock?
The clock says 11h29
